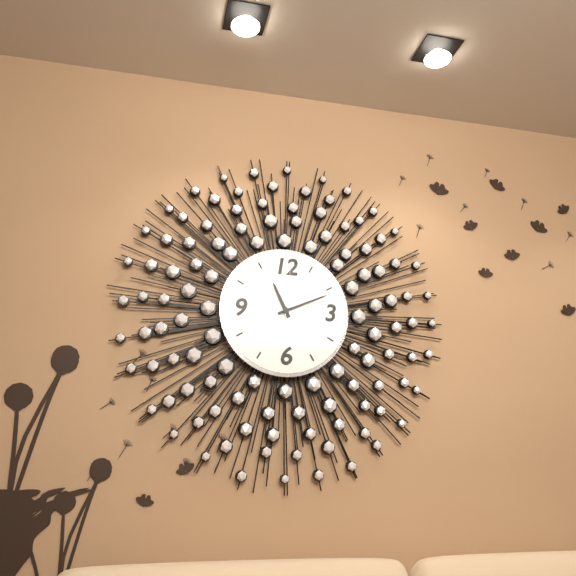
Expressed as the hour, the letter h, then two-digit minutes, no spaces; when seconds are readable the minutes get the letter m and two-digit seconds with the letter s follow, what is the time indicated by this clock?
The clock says 11h11m01s
